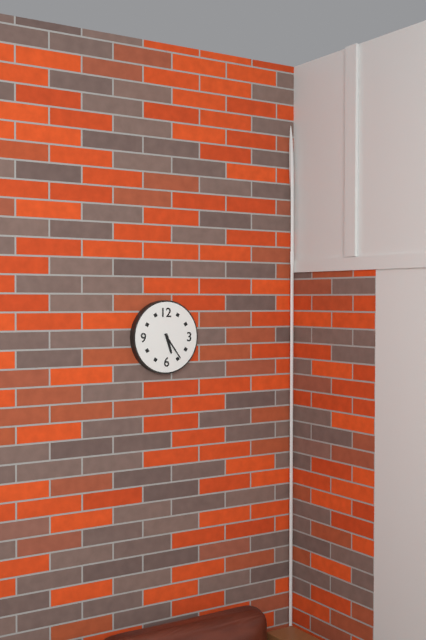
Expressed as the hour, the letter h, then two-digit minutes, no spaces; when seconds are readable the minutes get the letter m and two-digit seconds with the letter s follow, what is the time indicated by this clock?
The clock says 5h24
